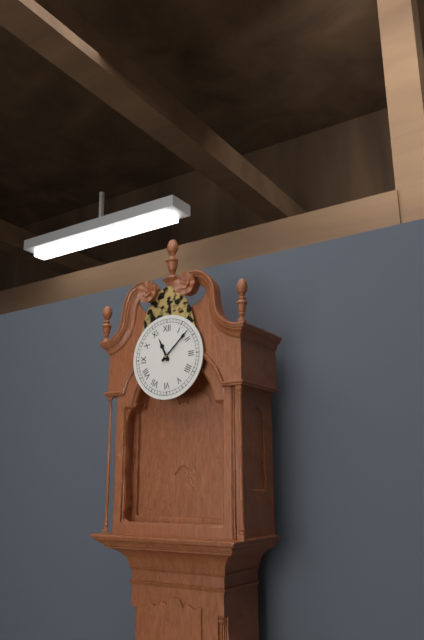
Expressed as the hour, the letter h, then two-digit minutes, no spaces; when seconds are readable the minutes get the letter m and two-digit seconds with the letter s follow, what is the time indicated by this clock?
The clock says 11h08
